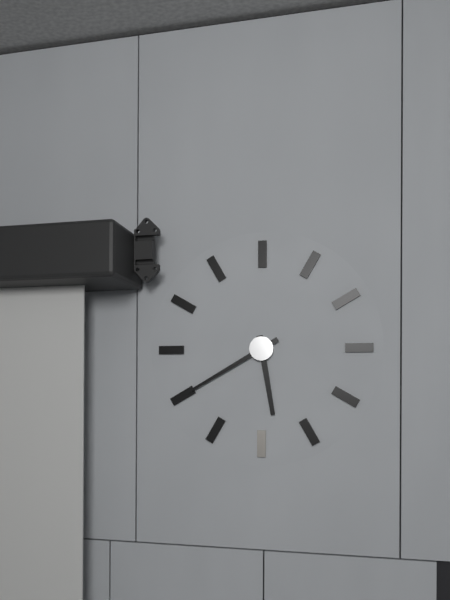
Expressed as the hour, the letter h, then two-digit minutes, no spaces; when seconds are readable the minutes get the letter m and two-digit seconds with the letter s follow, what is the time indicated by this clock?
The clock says 5h40
